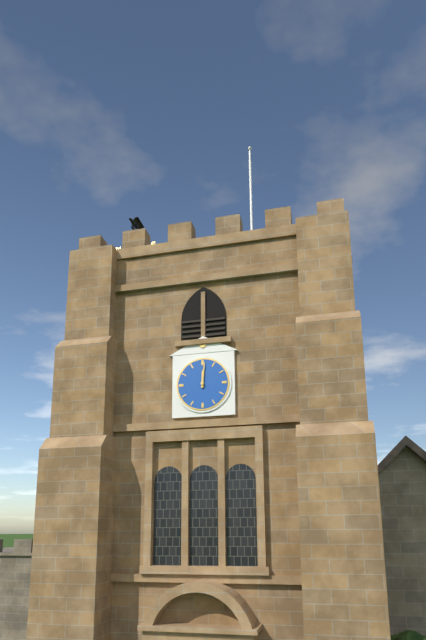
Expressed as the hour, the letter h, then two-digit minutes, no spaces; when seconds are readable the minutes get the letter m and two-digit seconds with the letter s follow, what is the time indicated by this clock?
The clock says 12h01
